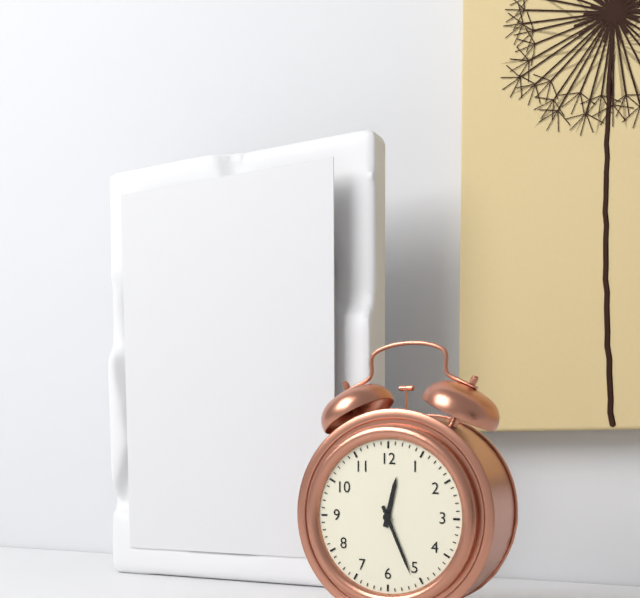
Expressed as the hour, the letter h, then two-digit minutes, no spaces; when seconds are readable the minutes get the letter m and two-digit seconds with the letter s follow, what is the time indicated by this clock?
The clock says 12h26
